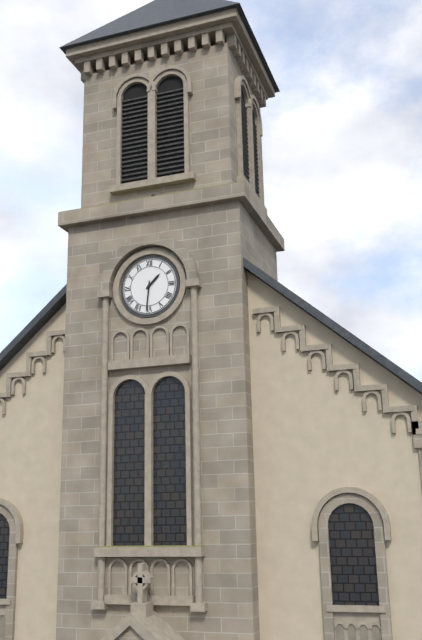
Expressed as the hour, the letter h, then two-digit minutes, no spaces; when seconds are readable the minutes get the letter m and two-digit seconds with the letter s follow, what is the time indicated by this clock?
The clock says 1h31
